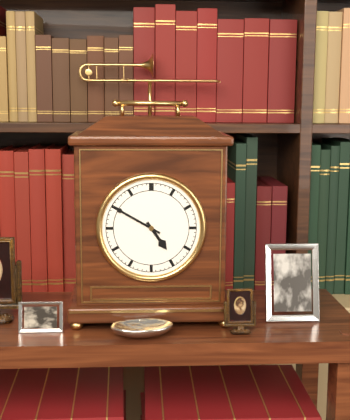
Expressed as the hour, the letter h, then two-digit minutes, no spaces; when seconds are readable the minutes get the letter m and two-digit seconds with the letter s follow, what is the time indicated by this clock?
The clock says 4h50
